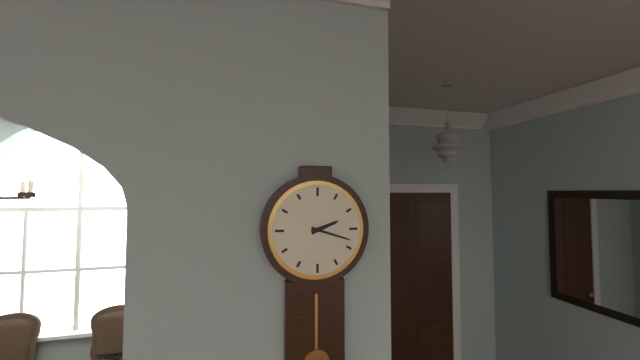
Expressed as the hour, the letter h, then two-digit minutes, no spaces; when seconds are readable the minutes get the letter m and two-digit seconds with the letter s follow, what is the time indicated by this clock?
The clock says 2h18
